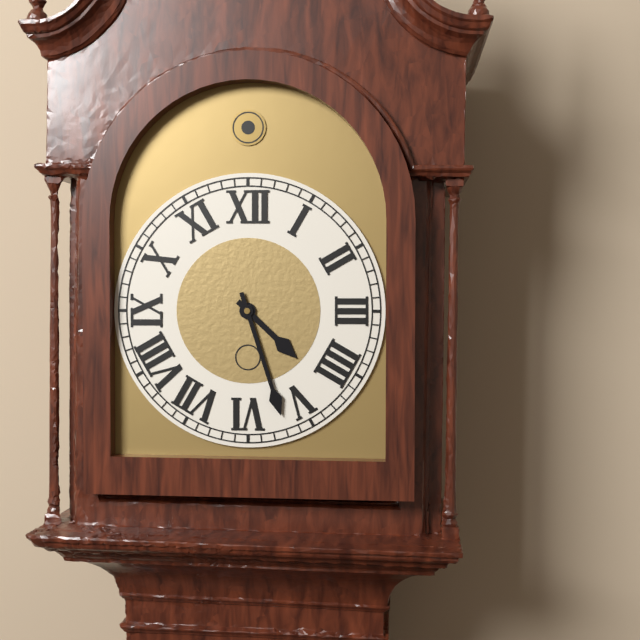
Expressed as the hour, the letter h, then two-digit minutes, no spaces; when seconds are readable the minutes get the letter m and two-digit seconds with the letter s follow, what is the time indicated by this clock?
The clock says 4h27
